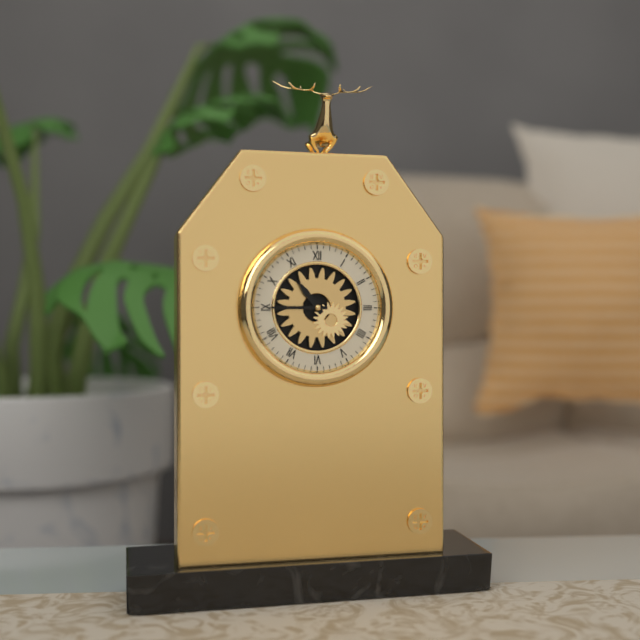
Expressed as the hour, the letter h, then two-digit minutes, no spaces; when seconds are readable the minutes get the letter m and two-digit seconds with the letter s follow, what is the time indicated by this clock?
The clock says 10h45
